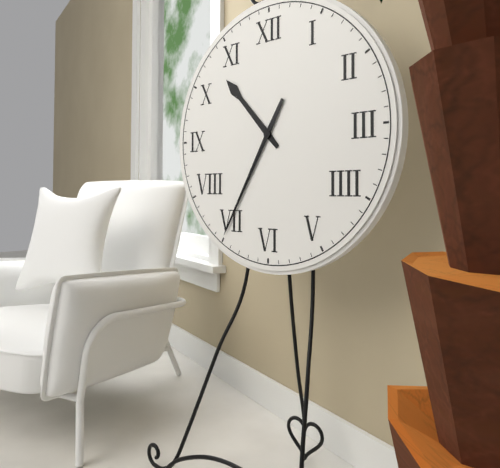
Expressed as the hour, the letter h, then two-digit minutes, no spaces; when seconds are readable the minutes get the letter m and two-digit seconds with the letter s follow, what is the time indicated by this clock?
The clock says 10h35
